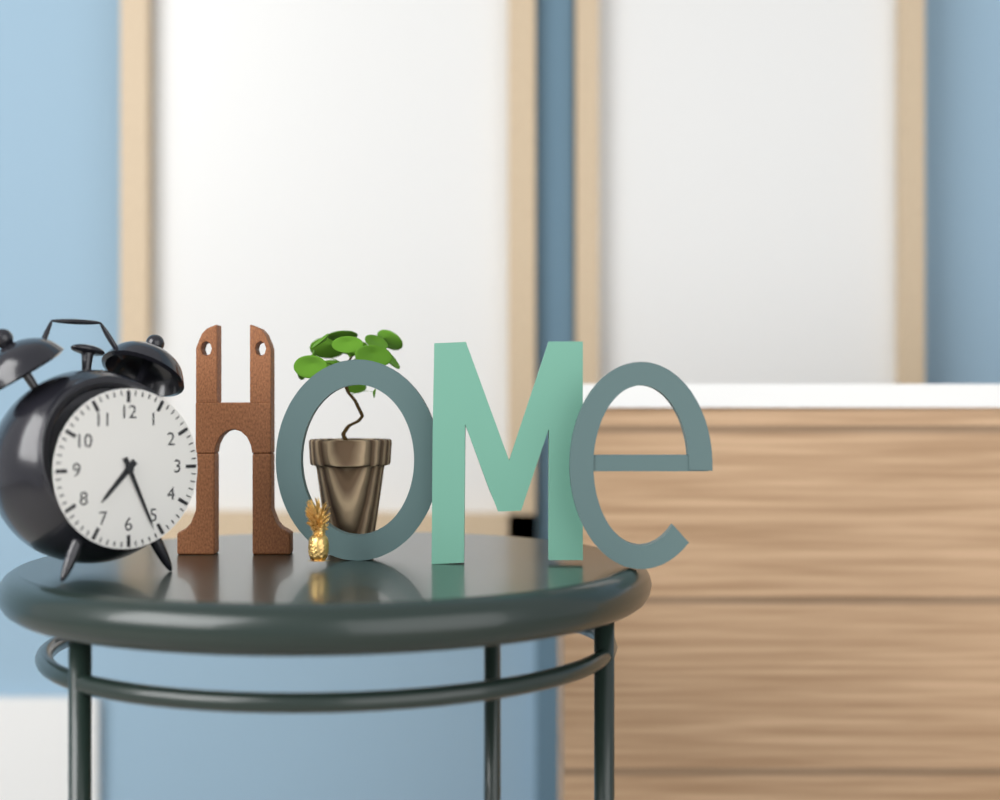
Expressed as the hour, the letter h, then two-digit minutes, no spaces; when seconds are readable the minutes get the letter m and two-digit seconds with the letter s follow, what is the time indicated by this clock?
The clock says 7h26
